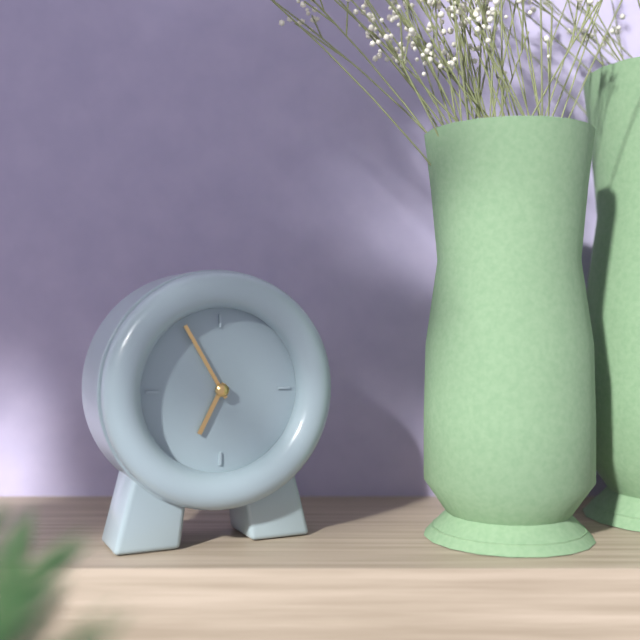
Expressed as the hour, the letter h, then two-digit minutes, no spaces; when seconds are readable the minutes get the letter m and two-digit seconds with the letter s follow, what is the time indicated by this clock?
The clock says 6h55
